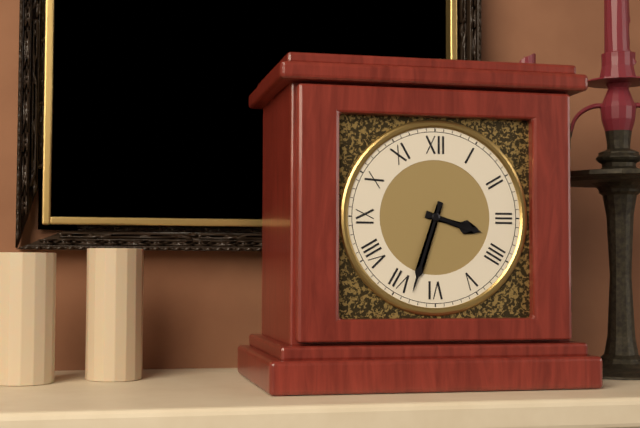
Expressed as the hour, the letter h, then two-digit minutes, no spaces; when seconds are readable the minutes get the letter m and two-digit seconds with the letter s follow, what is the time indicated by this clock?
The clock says 3h33
